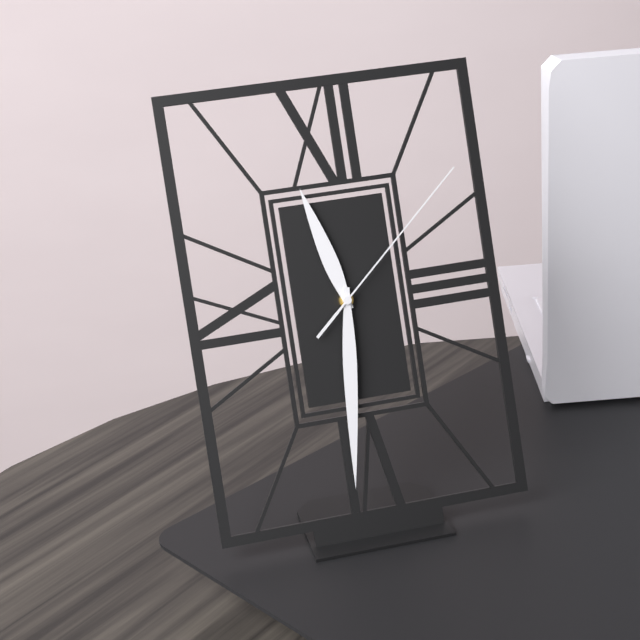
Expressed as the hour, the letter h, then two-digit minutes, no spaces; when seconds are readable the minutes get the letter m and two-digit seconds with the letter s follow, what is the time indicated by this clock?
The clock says 11h31m08s
